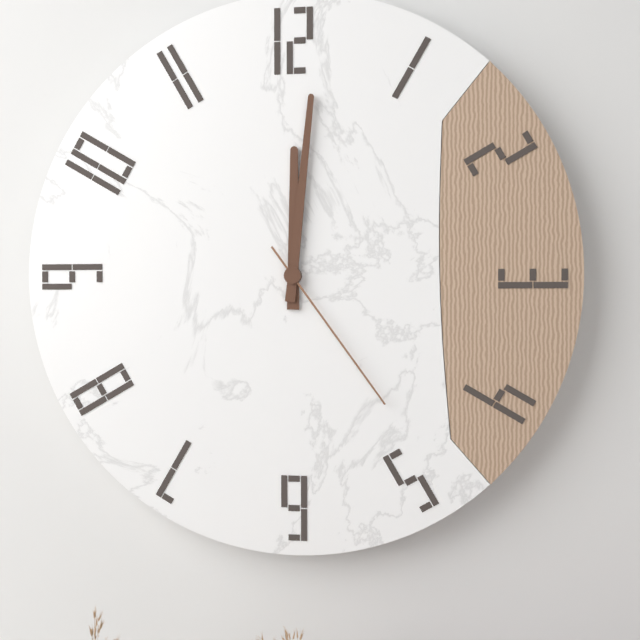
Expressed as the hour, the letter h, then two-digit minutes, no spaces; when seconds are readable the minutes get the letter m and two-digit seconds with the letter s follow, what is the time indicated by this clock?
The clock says 12h01m24s
